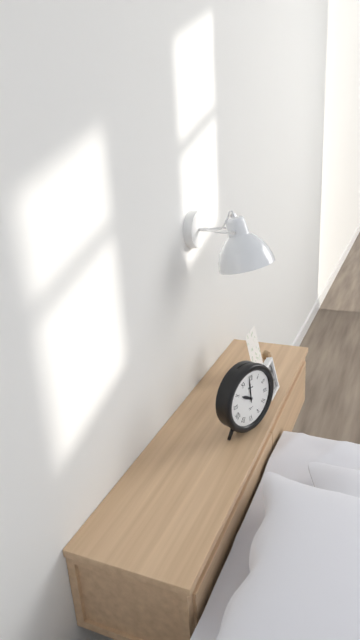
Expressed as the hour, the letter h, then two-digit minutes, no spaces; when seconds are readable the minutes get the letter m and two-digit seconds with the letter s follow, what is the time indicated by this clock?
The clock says 9h59
